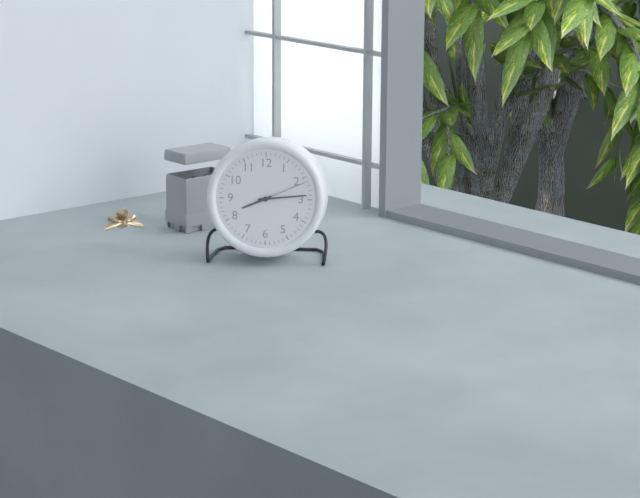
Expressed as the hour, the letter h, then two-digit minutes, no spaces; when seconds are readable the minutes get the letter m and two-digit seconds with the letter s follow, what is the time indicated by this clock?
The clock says 8h14m11s
